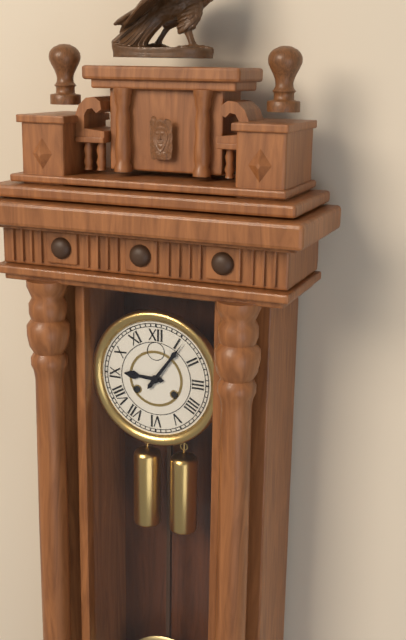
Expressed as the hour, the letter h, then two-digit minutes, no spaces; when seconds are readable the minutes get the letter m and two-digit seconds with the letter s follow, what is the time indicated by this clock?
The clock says 9h06
